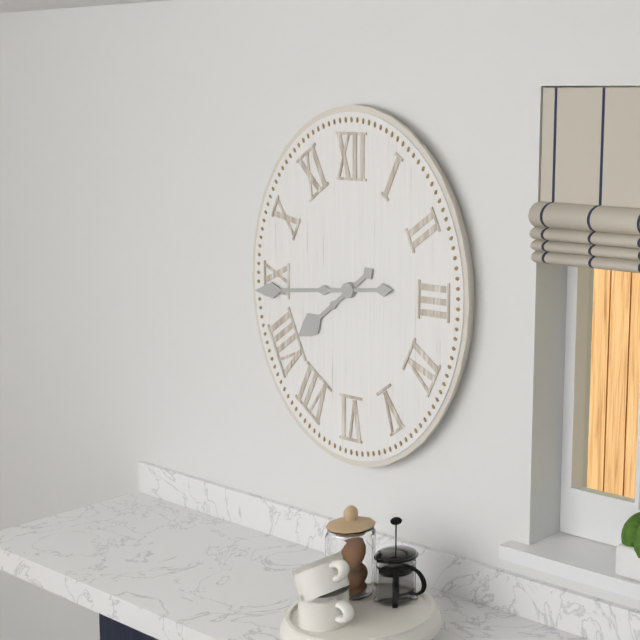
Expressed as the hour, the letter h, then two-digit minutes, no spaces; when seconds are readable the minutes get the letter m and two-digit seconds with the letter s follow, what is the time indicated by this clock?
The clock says 7h44
